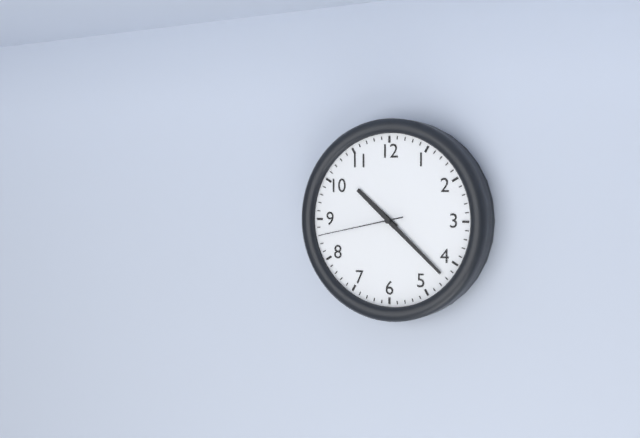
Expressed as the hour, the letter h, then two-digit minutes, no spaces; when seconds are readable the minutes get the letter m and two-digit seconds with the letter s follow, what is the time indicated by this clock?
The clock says 10h22m43s
